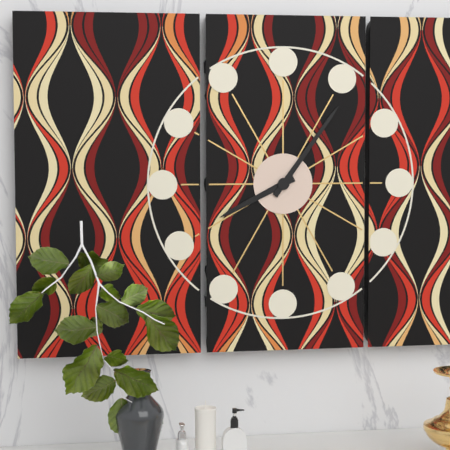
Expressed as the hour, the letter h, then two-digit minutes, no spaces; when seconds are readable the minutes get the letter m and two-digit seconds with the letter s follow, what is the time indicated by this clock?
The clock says 8h06
